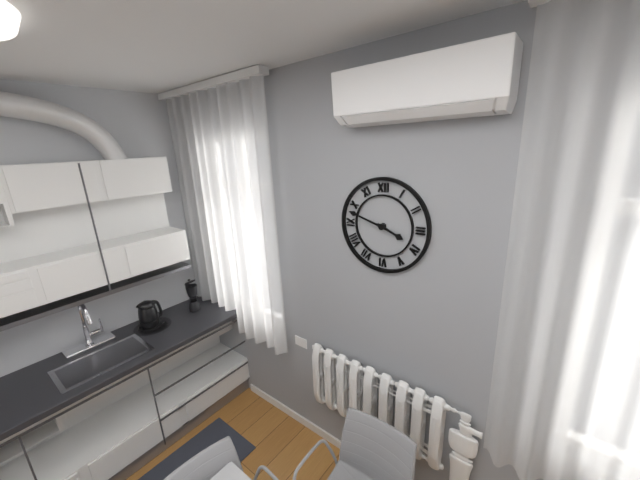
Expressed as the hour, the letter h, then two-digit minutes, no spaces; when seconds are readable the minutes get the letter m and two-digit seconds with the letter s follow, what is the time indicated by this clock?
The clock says 3h48
